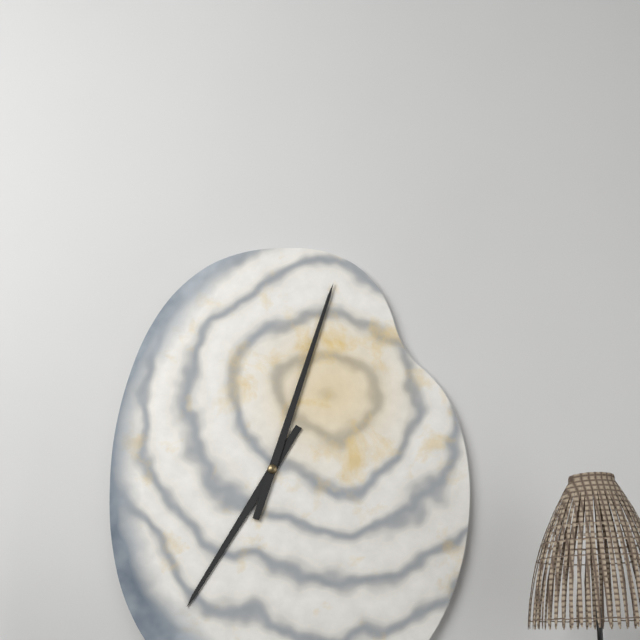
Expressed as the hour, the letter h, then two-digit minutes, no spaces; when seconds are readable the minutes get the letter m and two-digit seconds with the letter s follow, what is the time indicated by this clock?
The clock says 7h03
